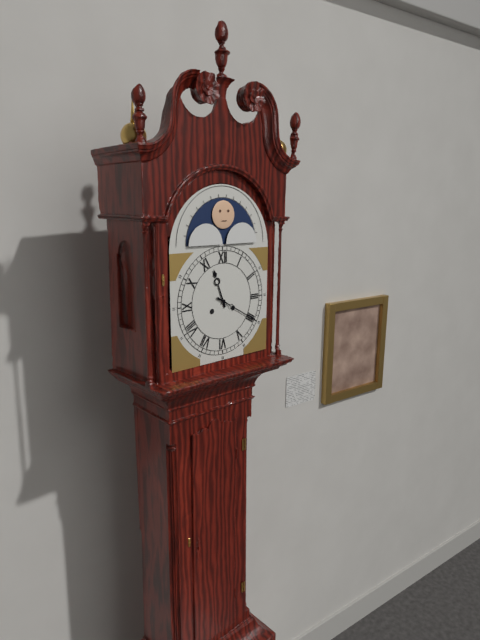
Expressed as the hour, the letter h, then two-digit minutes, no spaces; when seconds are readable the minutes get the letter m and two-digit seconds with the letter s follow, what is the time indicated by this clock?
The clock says 11h20
